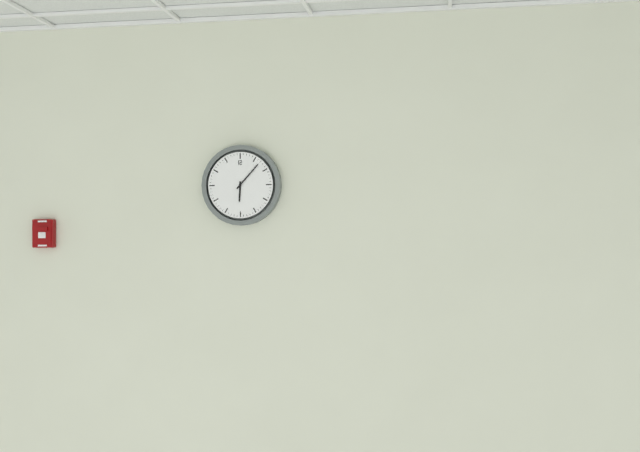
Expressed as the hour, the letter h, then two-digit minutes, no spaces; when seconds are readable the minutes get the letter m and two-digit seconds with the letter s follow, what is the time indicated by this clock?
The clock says 6h07
